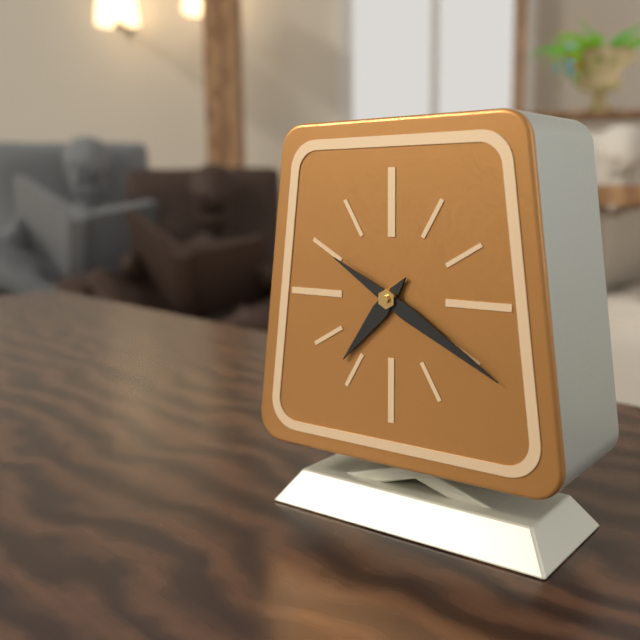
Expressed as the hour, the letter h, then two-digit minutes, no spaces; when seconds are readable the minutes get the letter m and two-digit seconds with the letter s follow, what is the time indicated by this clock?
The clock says 7h20
